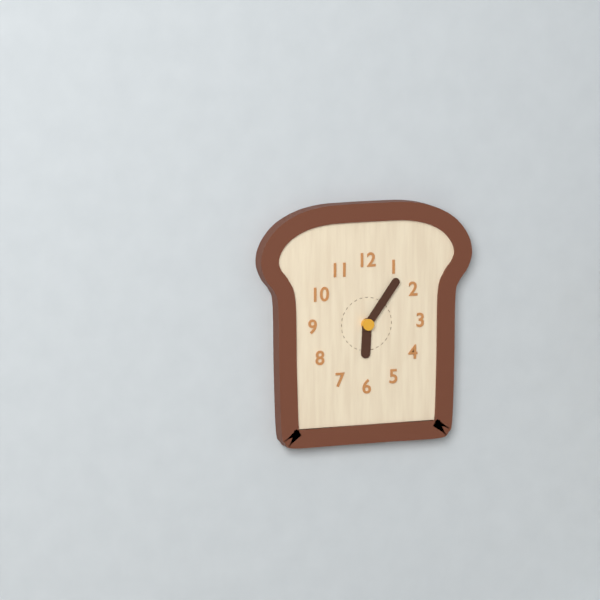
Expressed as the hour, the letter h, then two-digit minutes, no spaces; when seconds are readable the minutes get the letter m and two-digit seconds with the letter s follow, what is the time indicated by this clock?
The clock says 6h06
